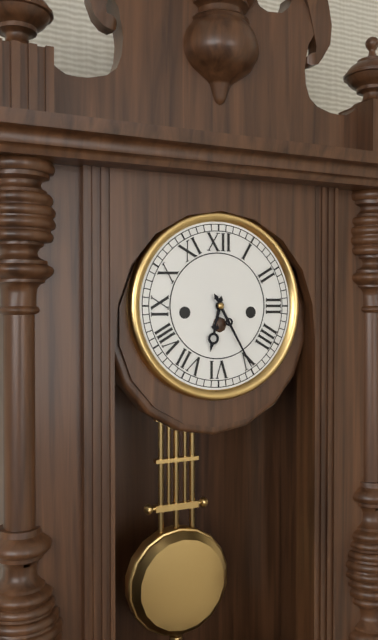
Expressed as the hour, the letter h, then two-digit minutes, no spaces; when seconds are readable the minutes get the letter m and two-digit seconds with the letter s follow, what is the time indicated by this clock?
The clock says 6h25
